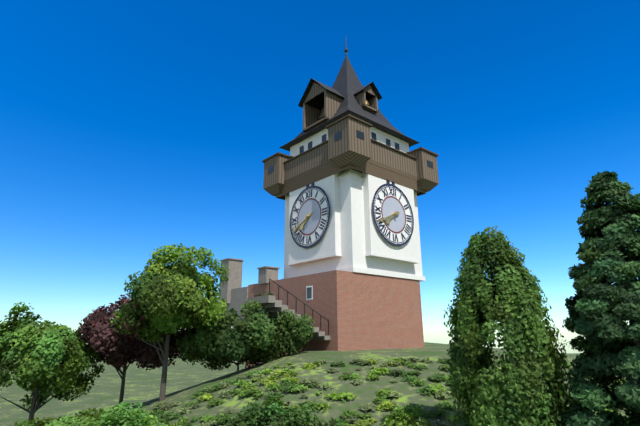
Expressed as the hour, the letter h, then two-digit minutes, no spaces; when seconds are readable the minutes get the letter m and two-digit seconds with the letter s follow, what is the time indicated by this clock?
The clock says 7h41
